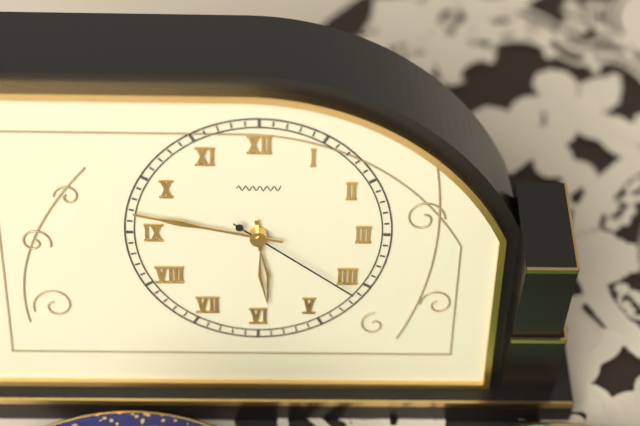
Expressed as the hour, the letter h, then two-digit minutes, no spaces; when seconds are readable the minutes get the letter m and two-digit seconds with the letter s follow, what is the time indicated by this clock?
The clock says 5h47m21s
